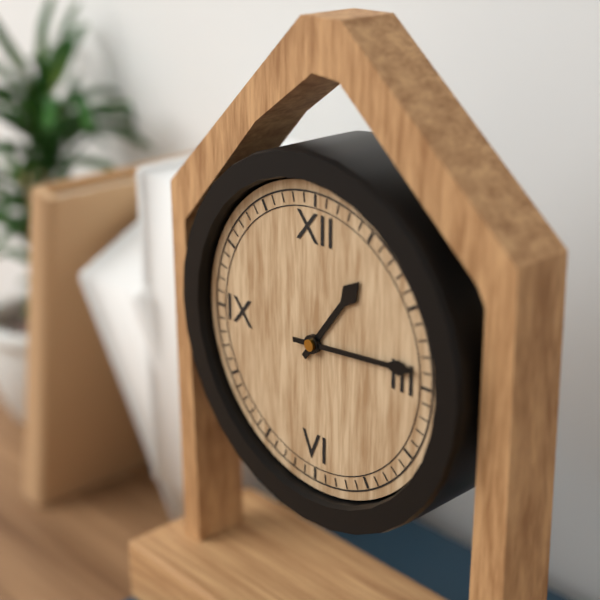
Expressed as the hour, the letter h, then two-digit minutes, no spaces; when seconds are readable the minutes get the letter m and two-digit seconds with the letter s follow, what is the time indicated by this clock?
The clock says 1h14
